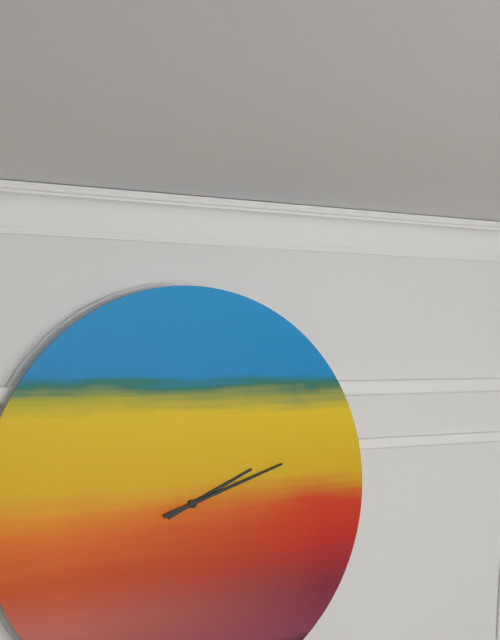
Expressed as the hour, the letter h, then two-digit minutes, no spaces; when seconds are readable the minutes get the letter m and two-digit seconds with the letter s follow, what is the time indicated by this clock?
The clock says 2h12
